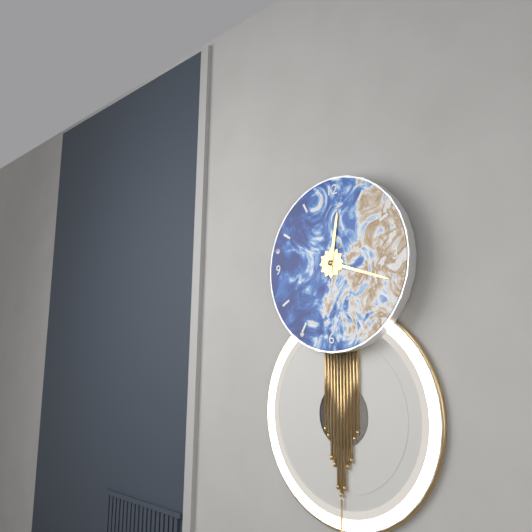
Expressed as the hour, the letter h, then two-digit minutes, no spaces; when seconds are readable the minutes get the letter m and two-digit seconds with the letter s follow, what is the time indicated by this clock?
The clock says 12h18
